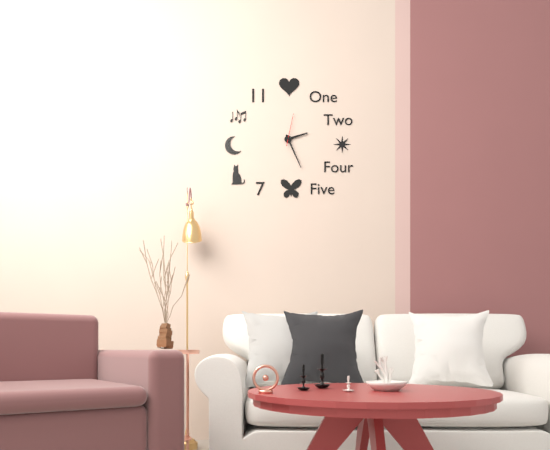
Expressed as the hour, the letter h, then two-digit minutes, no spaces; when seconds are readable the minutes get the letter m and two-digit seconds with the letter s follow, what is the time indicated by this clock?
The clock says 2h26
